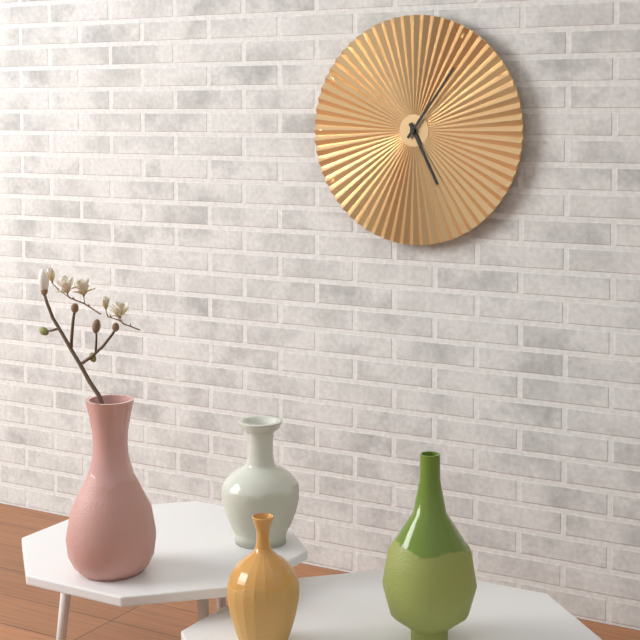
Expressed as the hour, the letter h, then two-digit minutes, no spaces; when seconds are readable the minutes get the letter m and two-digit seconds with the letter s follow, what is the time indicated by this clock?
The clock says 5h06
